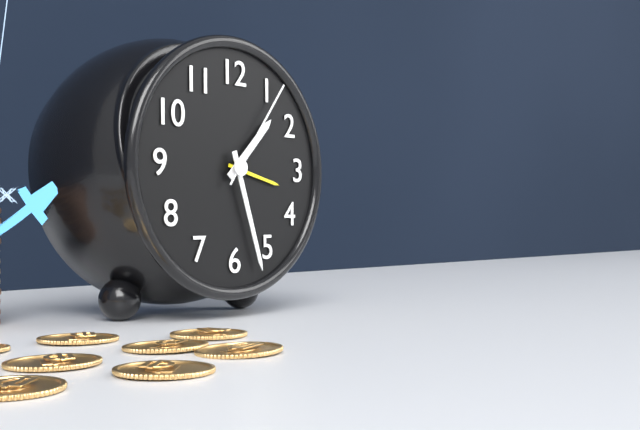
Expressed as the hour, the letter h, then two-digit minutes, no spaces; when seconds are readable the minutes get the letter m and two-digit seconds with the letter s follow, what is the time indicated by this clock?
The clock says 1h27m06s
